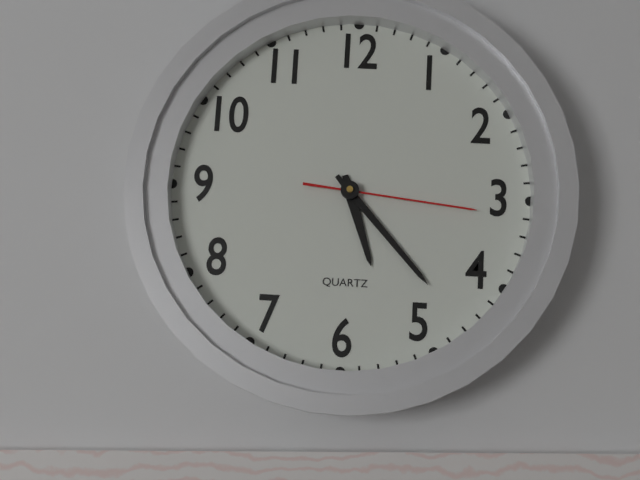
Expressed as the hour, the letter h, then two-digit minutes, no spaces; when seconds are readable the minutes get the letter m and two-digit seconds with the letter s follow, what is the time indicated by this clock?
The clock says 5h23m16s
